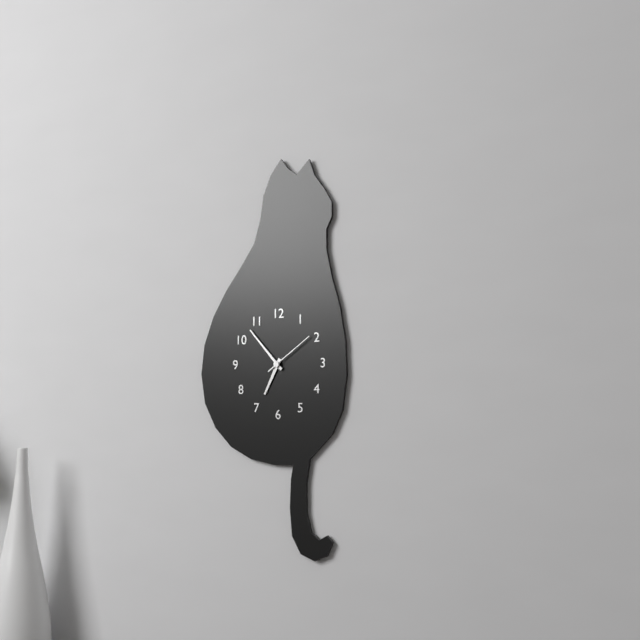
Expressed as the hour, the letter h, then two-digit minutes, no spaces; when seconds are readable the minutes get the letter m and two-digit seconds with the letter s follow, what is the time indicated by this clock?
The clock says 6h53m09s
